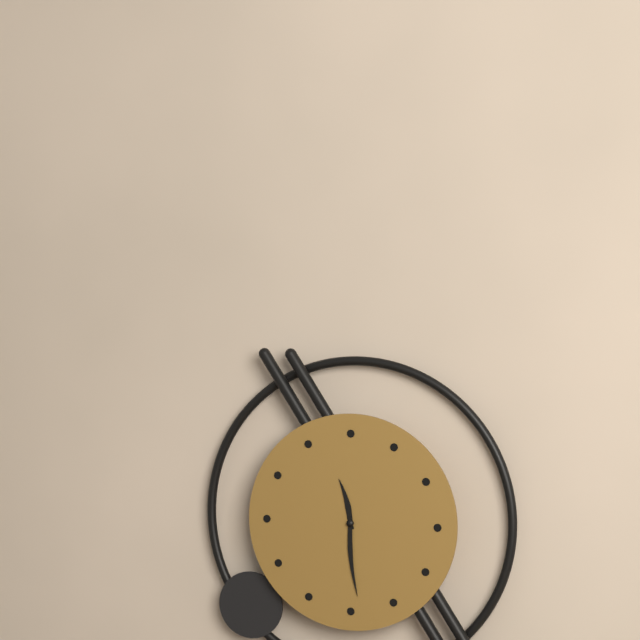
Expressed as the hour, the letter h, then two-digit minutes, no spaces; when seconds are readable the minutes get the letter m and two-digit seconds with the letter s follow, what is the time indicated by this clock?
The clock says 11h29
